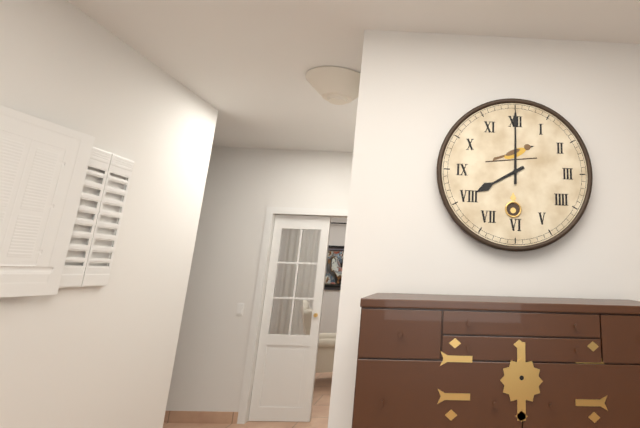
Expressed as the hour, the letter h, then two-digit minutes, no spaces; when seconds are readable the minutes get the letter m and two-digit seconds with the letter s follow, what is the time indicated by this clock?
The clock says 8h00
